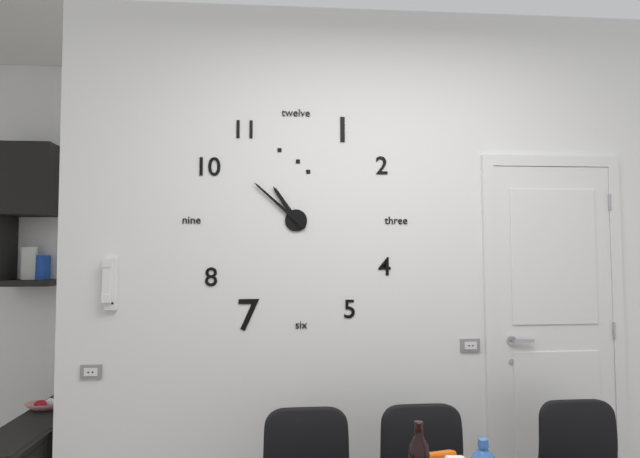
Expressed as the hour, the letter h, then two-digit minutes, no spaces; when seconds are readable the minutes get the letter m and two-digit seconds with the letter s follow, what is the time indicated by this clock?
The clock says 10h52
